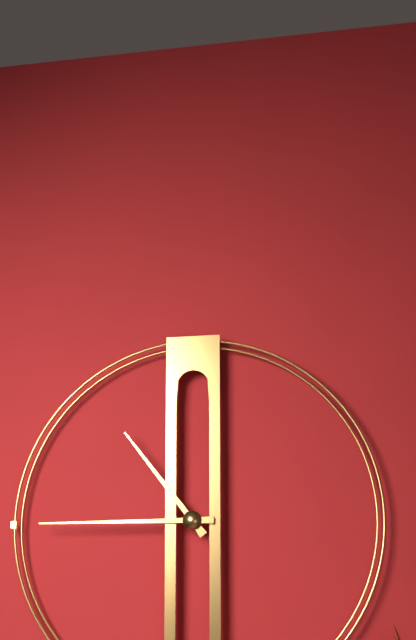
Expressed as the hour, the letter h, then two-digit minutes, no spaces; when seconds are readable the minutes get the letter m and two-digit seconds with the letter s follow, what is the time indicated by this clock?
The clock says 10h45
